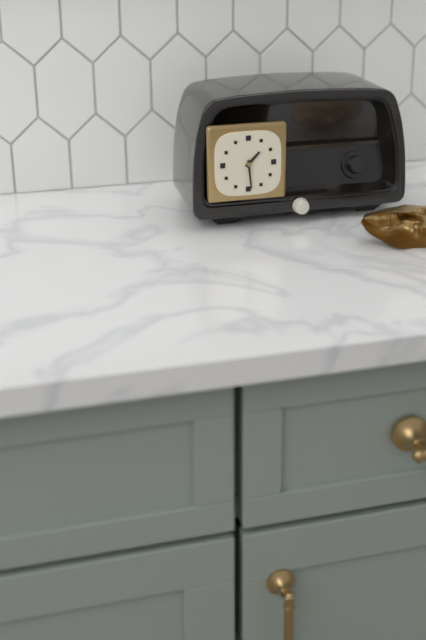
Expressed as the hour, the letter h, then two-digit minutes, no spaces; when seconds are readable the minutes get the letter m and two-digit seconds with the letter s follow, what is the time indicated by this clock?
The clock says 1h29
